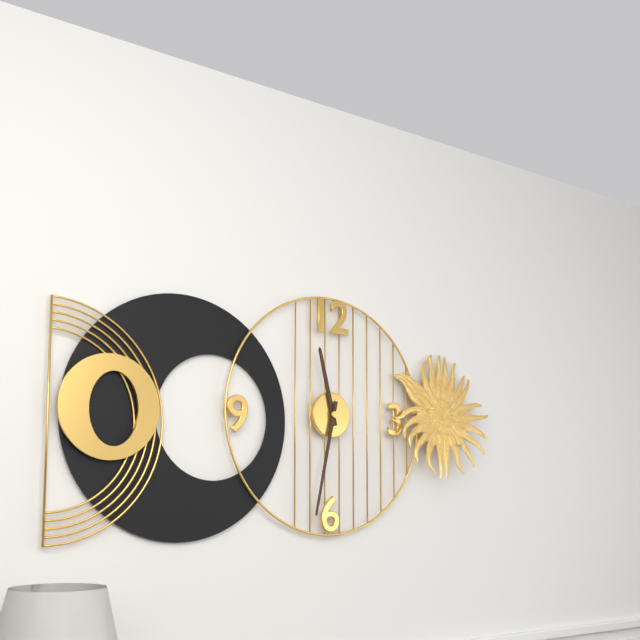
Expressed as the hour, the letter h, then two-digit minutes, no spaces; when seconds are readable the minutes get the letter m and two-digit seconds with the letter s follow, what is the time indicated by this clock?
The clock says 11h32
